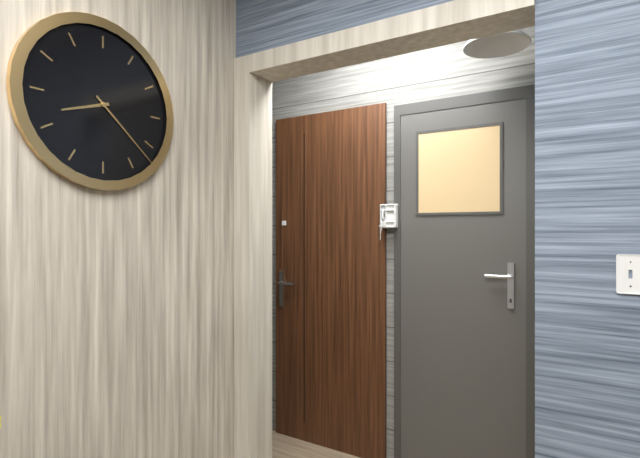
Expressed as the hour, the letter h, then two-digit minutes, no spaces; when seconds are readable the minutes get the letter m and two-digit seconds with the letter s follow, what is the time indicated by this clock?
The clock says 8h22
